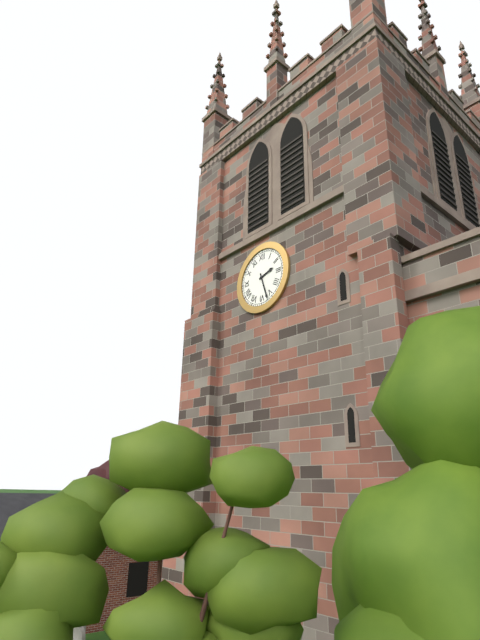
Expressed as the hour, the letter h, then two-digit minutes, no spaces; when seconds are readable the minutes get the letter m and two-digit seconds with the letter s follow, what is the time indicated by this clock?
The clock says 2h27
